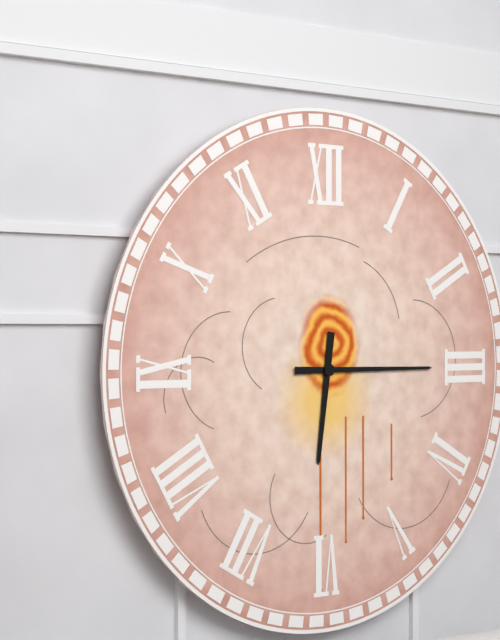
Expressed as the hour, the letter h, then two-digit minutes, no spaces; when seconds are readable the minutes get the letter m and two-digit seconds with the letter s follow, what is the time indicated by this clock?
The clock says 6h15
